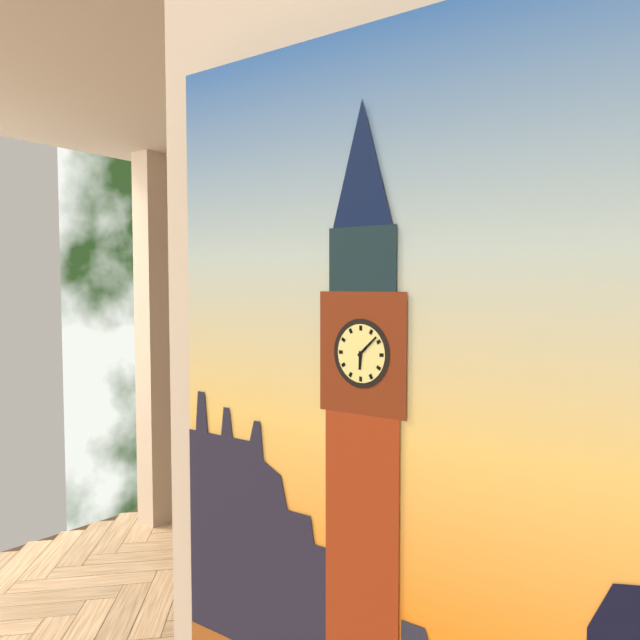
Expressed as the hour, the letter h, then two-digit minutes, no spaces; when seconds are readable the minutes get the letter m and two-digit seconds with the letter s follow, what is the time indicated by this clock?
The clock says 6h08
